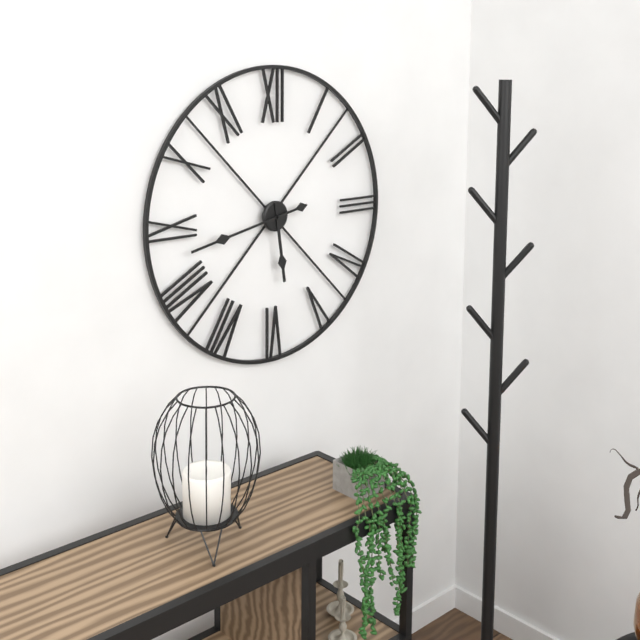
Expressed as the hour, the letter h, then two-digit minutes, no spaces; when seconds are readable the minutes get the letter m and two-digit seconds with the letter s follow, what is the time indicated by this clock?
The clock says 5h43
